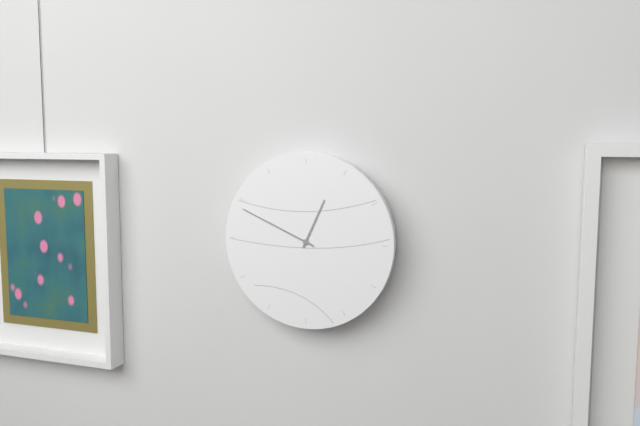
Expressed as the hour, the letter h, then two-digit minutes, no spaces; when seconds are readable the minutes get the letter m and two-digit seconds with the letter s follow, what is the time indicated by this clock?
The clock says 12h49
